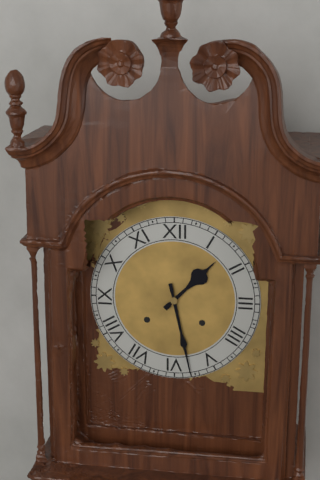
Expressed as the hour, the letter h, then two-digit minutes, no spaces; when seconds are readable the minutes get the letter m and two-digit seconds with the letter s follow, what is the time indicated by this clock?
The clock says 1h28
